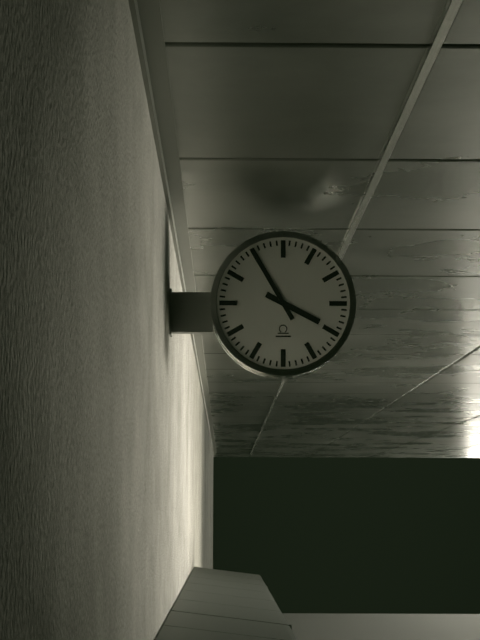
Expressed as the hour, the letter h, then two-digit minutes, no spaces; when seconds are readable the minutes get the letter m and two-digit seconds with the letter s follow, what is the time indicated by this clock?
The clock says 3h55
